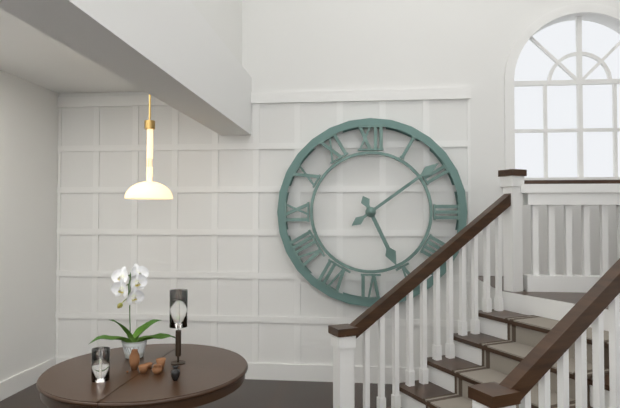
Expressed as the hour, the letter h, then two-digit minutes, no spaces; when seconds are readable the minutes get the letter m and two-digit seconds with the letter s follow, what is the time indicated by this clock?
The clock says 5h09
